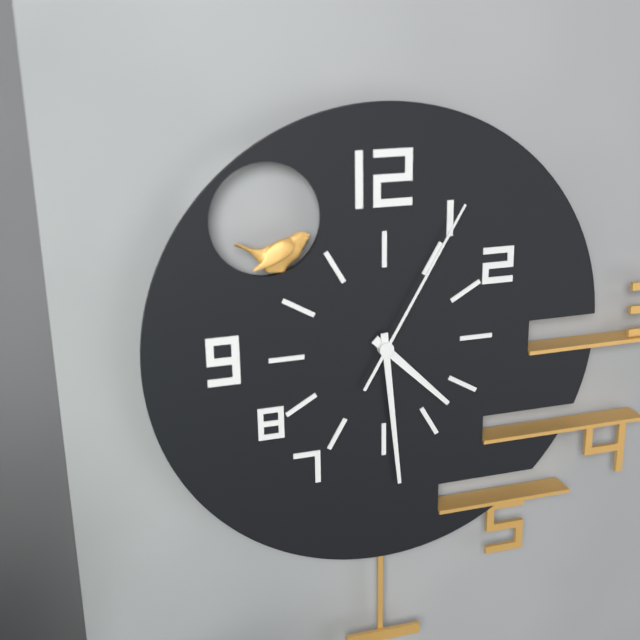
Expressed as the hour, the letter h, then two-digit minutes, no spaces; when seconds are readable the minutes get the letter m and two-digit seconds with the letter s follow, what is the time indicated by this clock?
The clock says 4h29m05s
